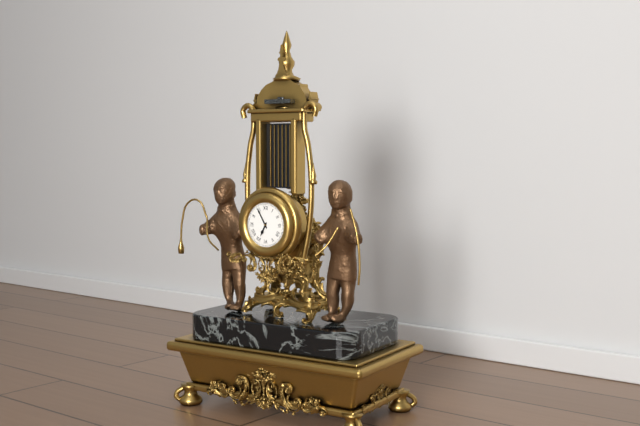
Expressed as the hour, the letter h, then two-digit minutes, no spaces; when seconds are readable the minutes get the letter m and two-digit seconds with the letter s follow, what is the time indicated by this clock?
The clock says 6h55
